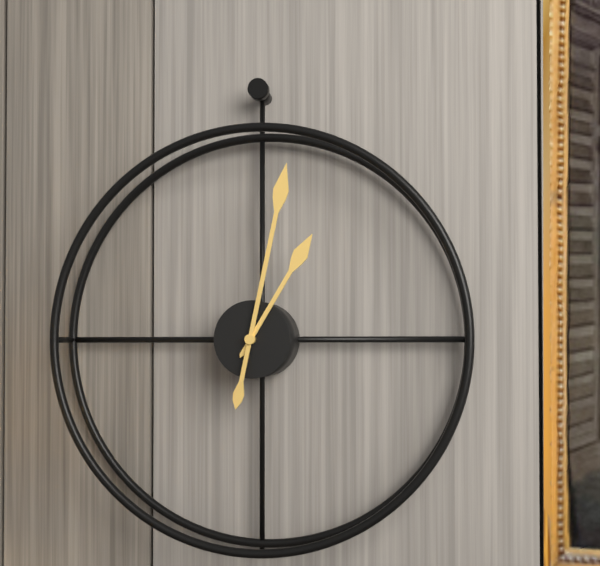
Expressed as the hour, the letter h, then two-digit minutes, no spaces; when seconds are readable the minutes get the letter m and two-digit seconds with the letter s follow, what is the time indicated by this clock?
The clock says 1h02
